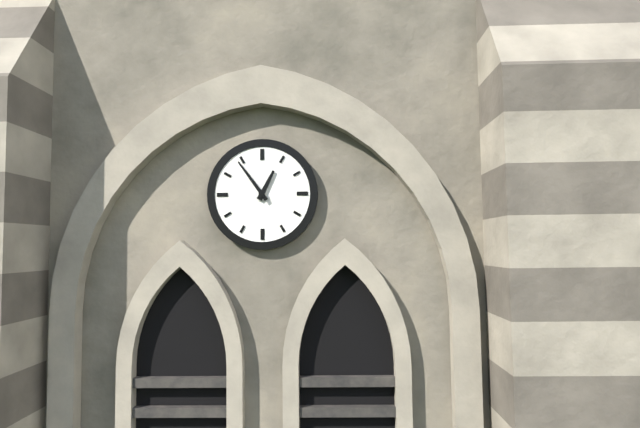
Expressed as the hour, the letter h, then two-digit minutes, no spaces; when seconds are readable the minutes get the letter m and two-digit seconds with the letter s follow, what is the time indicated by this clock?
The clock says 12h54
